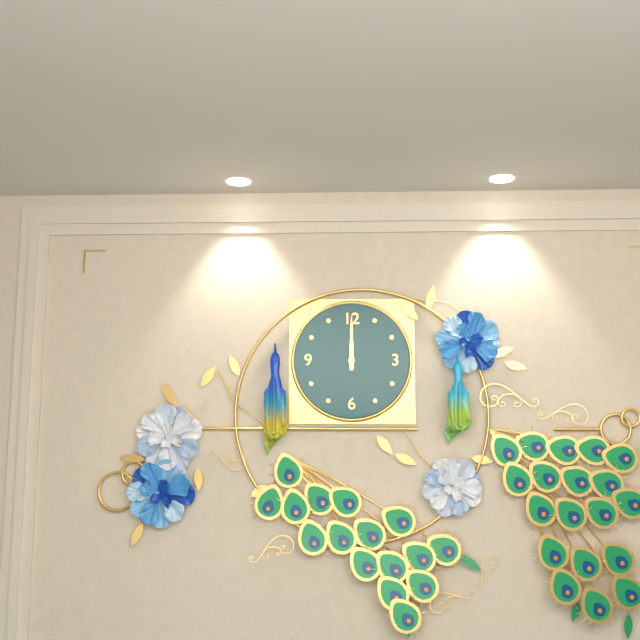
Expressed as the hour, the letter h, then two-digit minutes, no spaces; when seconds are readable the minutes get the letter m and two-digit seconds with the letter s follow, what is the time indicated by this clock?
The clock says 12h00
